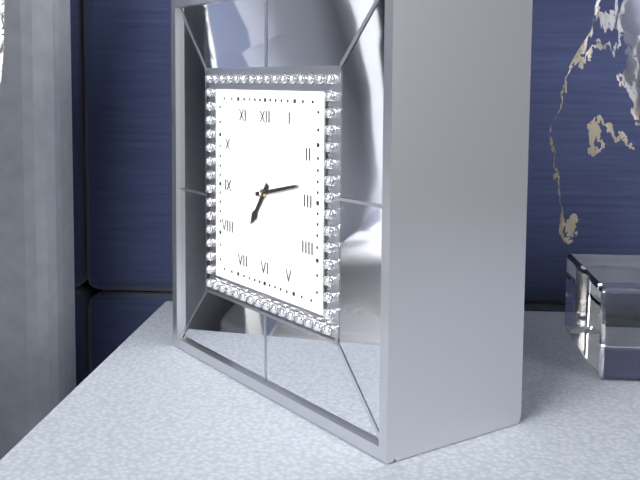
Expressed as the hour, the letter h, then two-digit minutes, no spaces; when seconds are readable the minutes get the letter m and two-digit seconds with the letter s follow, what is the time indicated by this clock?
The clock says 7h13
